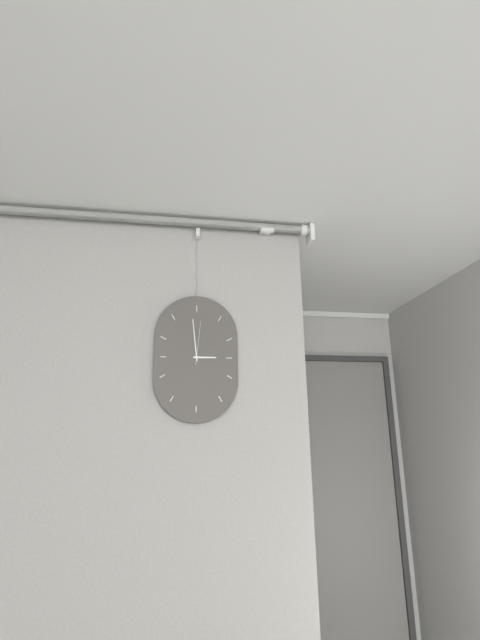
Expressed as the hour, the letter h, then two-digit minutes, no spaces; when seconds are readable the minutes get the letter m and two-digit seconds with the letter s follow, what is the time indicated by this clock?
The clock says 2h59
